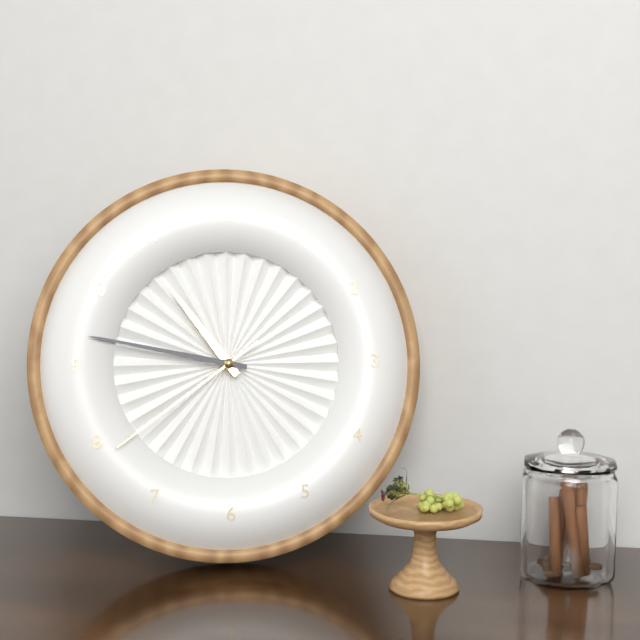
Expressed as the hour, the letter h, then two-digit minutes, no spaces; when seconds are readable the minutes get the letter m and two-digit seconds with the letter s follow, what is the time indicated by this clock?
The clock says 10h47m39s
